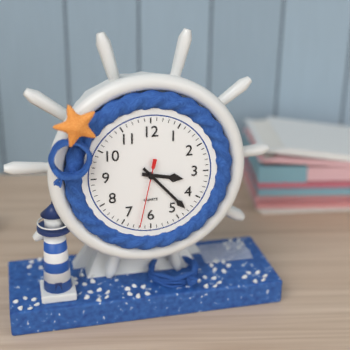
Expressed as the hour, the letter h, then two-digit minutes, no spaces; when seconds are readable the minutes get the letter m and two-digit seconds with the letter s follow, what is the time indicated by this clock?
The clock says 3h23m32s
